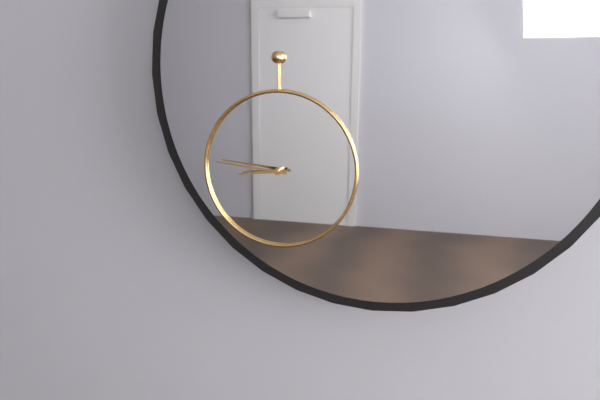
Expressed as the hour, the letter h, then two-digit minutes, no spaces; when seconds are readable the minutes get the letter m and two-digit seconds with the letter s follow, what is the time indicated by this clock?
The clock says 8h46
